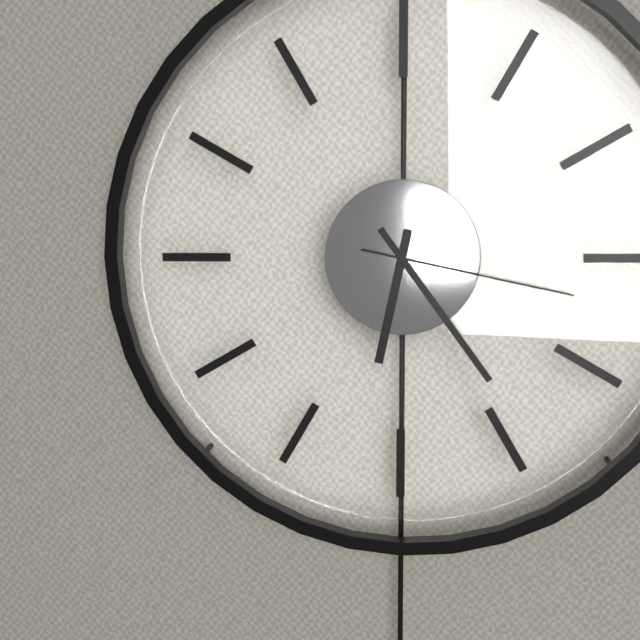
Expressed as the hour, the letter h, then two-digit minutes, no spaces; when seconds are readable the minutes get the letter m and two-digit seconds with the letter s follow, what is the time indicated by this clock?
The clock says 6h24m17s
